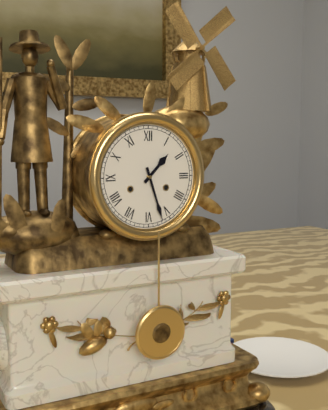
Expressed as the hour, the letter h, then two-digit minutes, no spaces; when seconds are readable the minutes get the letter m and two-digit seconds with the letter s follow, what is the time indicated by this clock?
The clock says 1h27
